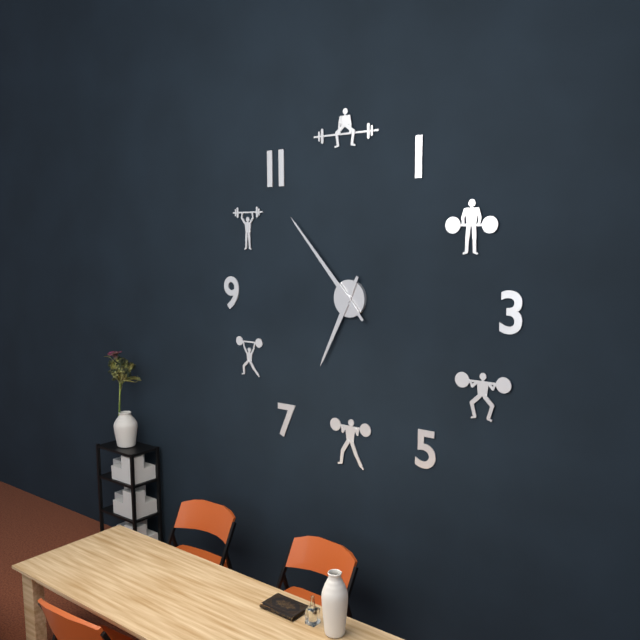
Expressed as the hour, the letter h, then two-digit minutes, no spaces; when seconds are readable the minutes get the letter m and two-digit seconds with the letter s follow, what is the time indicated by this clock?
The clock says 6h53
